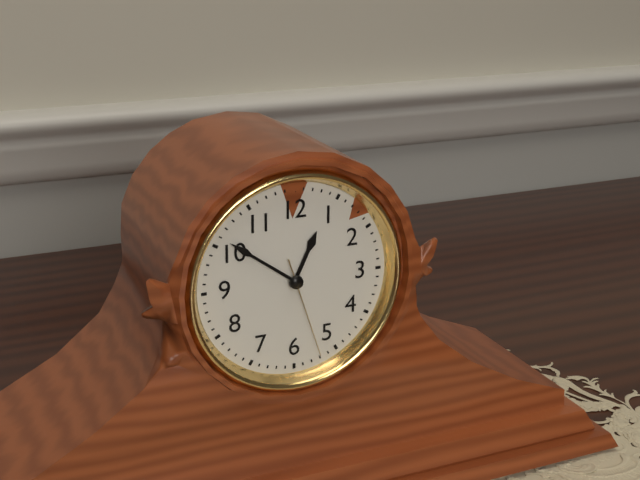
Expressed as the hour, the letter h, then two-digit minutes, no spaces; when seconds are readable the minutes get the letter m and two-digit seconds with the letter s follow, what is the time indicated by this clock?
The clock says 12h51m27s
